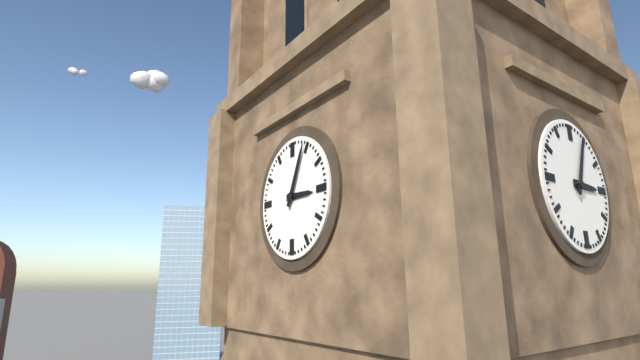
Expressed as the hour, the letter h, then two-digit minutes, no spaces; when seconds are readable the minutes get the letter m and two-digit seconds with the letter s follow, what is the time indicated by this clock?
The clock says 3h04
